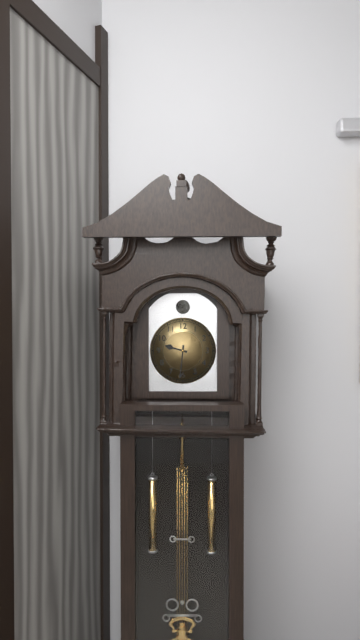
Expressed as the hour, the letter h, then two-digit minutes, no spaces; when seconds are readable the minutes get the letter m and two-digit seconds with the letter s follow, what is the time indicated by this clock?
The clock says 9h31
